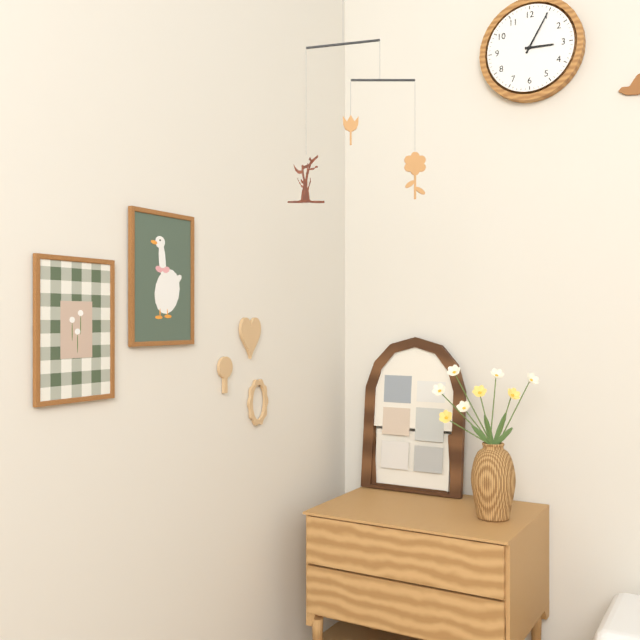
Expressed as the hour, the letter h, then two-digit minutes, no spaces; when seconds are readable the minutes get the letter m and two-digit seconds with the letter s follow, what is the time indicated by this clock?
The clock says 3h05
